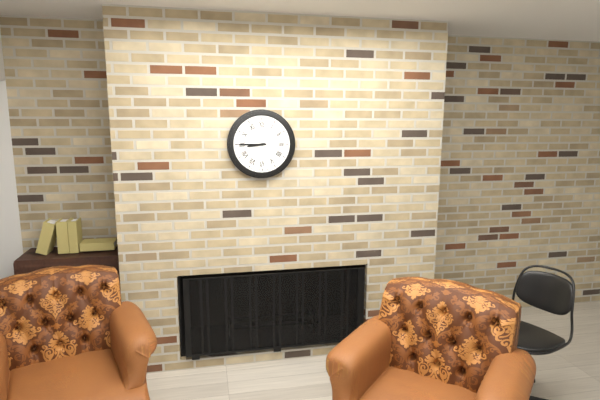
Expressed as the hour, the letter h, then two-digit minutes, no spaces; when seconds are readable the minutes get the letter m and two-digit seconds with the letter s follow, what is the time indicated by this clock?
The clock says 8h45
